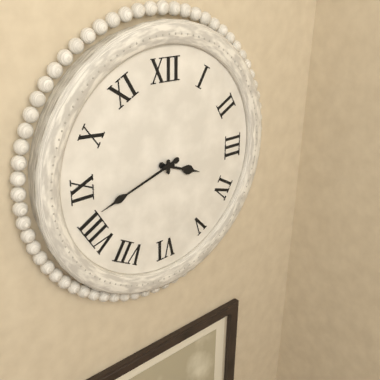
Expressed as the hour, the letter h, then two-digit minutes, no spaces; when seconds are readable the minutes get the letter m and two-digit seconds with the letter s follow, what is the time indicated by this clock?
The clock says 3h42
